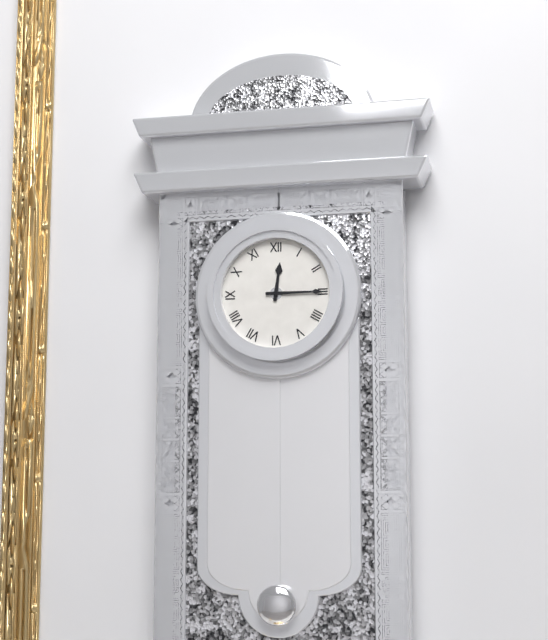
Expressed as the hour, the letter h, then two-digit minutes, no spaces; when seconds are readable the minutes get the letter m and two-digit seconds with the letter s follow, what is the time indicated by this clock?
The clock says 12h15
